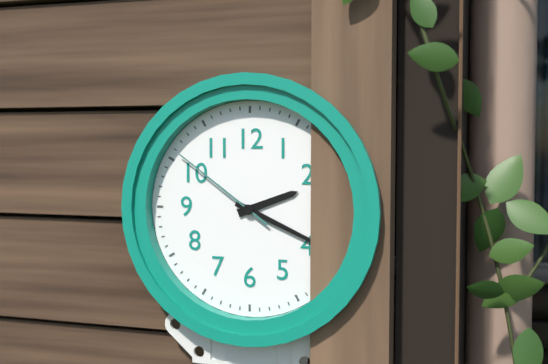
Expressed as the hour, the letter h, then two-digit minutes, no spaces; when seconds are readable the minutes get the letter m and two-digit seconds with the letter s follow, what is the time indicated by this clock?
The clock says 2h19m51s
